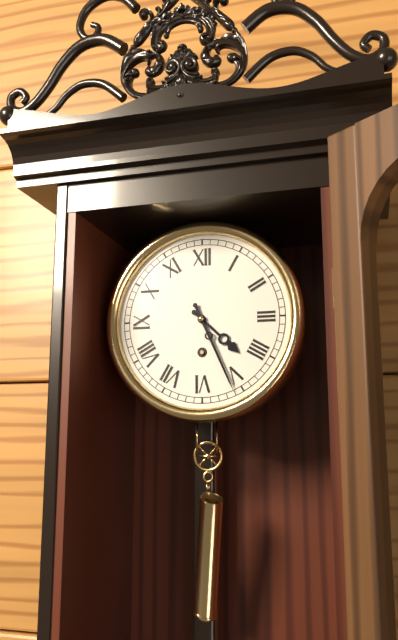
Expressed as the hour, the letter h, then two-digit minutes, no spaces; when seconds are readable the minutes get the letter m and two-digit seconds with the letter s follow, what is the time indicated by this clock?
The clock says 4h26
